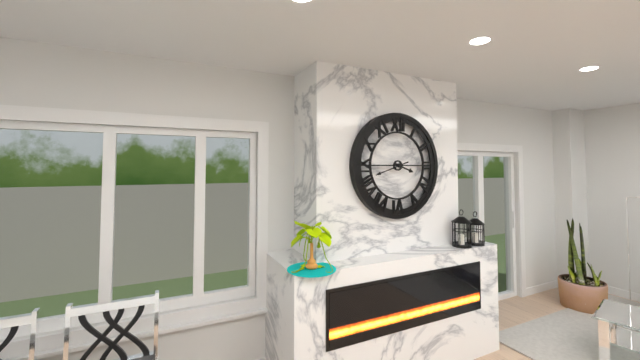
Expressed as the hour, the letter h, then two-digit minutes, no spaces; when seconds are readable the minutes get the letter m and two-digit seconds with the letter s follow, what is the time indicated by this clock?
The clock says 3h42
